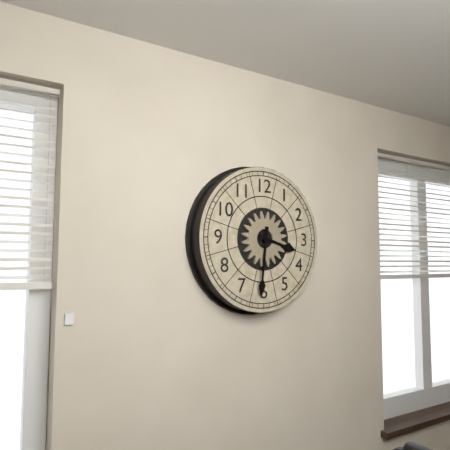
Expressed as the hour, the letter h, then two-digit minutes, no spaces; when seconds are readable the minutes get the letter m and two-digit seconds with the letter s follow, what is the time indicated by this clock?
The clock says 3h31
